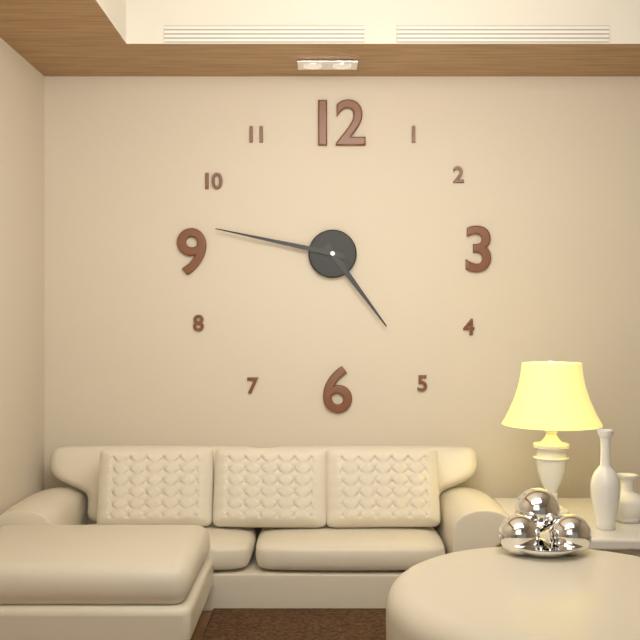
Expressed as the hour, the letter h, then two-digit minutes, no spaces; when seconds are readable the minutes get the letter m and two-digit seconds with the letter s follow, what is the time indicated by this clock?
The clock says 4h47
